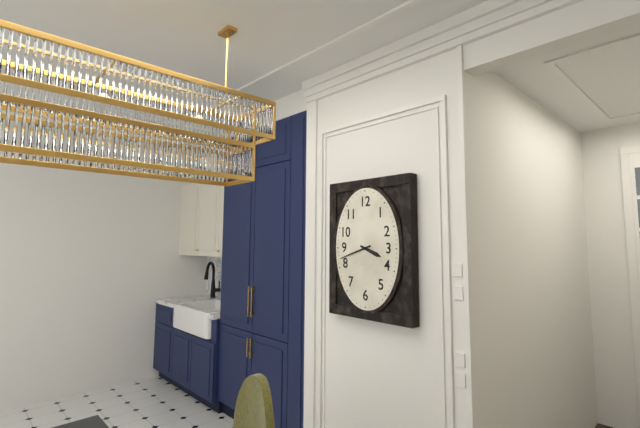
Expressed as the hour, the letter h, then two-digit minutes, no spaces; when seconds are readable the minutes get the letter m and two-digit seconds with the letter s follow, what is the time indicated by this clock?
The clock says 3h42
